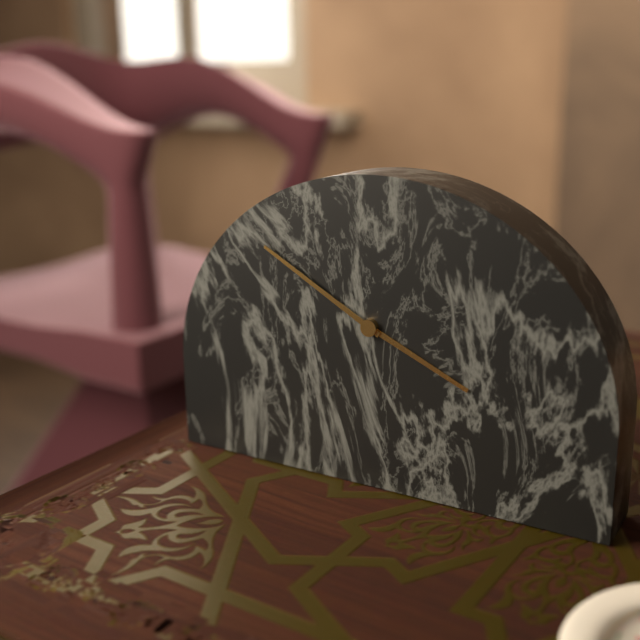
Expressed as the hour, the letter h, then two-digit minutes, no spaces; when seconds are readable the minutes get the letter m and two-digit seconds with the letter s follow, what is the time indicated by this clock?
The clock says 3h50
